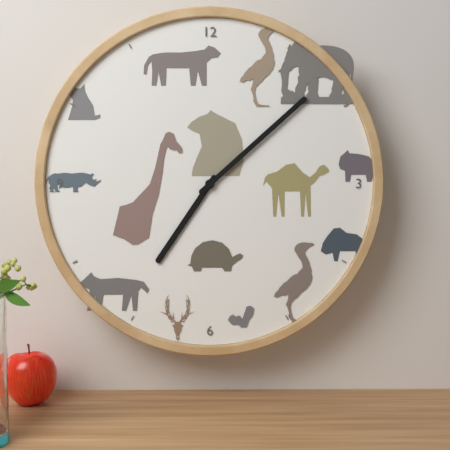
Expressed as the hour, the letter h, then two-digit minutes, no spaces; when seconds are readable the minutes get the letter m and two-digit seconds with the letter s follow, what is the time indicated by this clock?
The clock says 7h08
